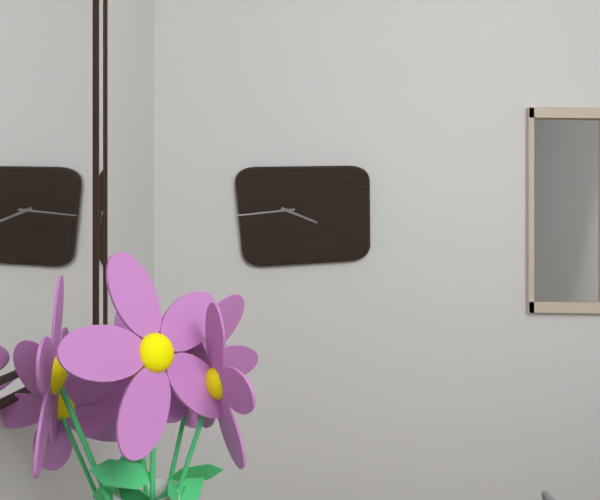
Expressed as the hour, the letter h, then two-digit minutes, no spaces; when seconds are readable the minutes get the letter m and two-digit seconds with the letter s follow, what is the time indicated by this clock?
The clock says 3h44
